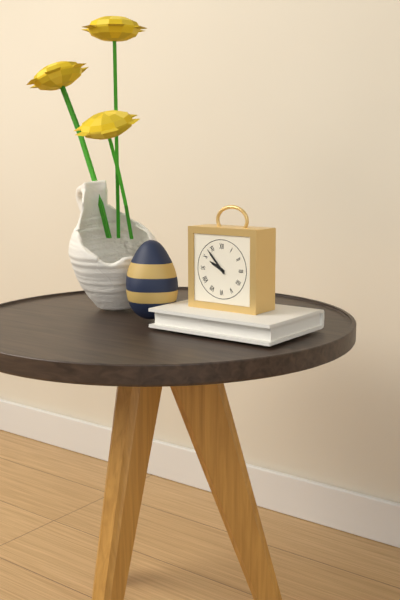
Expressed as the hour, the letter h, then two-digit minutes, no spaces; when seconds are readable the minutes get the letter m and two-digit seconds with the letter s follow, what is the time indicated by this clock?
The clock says 9h53
